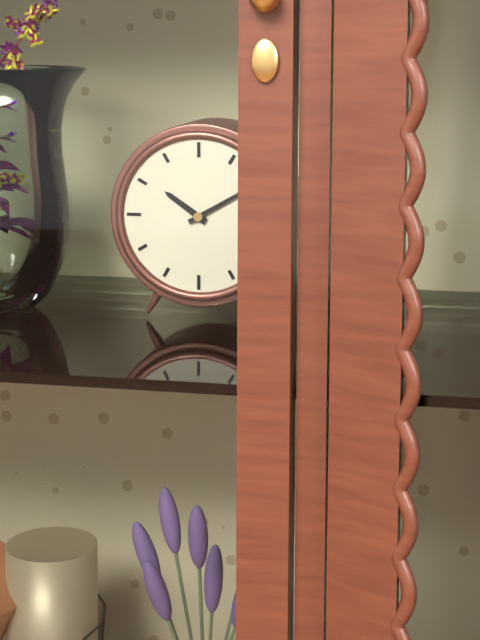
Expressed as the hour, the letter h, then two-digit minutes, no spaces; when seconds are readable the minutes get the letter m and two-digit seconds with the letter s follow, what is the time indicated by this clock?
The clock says 10h10
